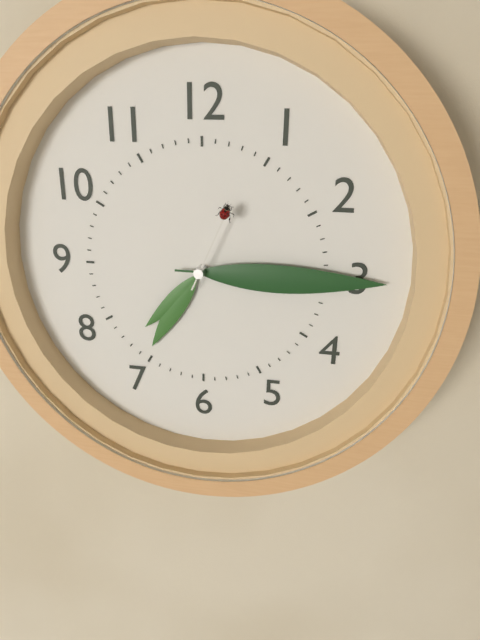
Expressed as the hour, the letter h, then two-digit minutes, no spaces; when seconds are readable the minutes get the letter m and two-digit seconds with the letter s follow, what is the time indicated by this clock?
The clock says 7h15m04s
